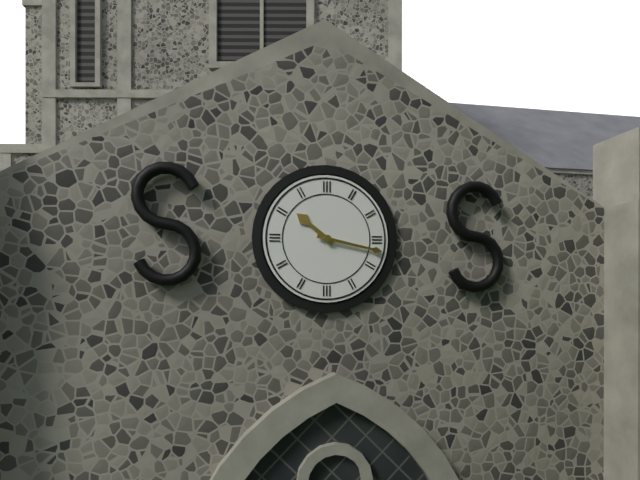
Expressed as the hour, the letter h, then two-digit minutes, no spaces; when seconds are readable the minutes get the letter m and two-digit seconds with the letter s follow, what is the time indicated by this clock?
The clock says 10h17
